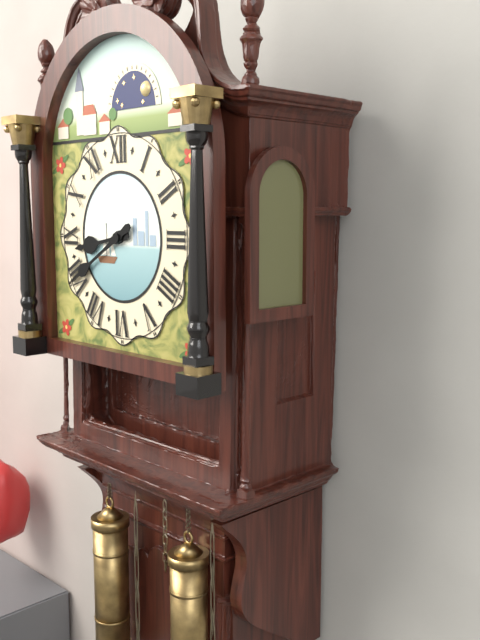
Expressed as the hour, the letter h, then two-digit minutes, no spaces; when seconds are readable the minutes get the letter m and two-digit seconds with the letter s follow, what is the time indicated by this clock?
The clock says 8h40
